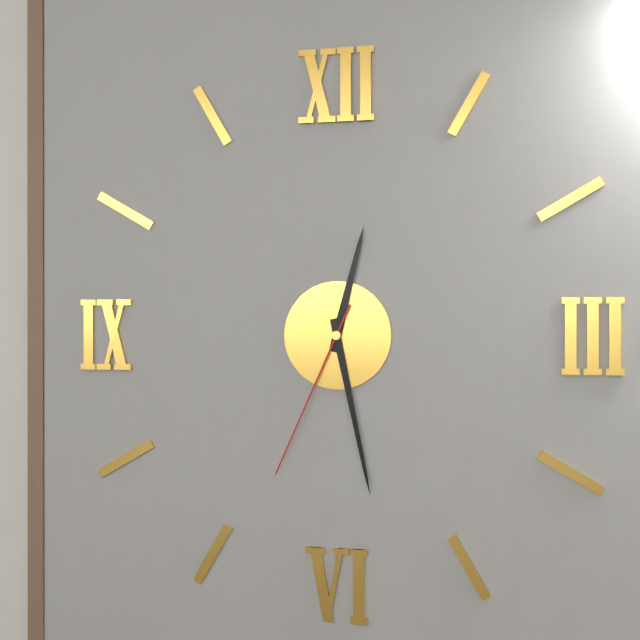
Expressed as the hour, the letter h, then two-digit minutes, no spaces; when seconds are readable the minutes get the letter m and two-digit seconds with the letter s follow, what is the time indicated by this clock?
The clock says 12h28m34s
